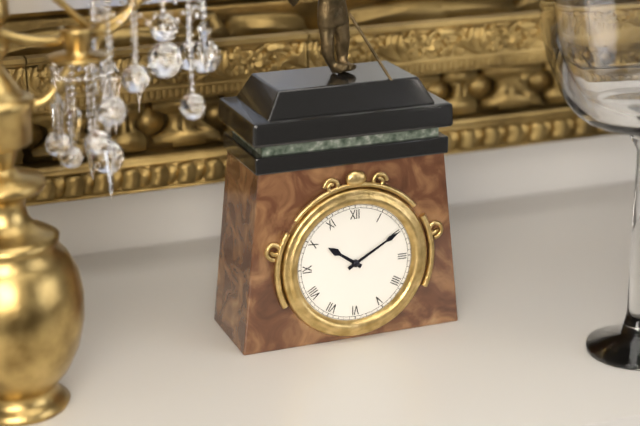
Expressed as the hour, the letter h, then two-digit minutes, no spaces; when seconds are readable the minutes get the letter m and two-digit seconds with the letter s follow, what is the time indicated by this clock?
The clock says 10h10
